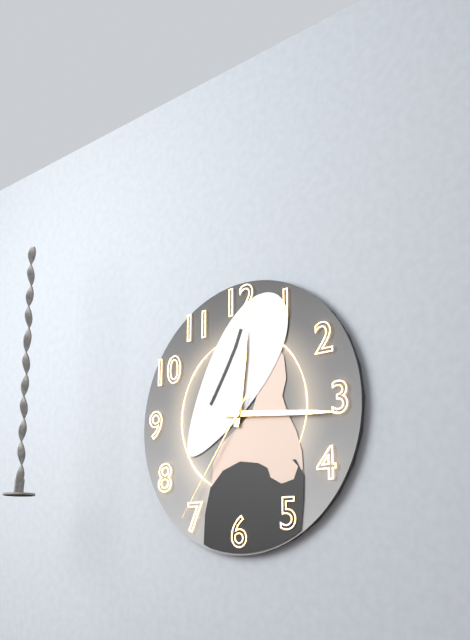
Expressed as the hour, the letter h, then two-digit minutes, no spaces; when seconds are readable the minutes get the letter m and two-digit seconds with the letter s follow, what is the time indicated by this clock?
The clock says 12h16m36s
